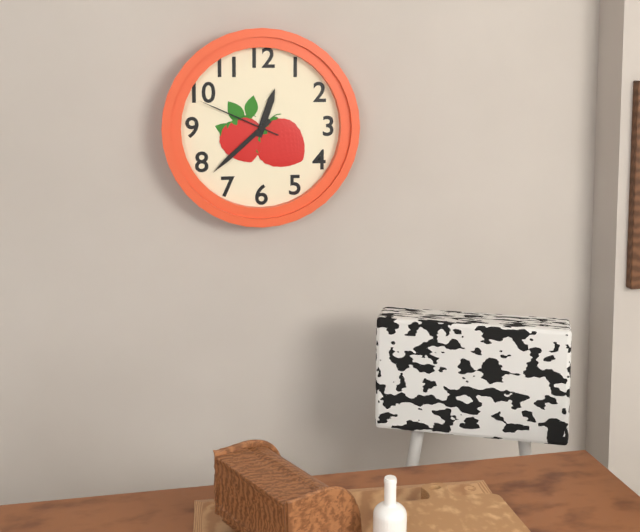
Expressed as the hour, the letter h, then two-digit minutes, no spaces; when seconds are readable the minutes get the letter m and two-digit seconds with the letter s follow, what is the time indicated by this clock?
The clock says 12h38m49s
